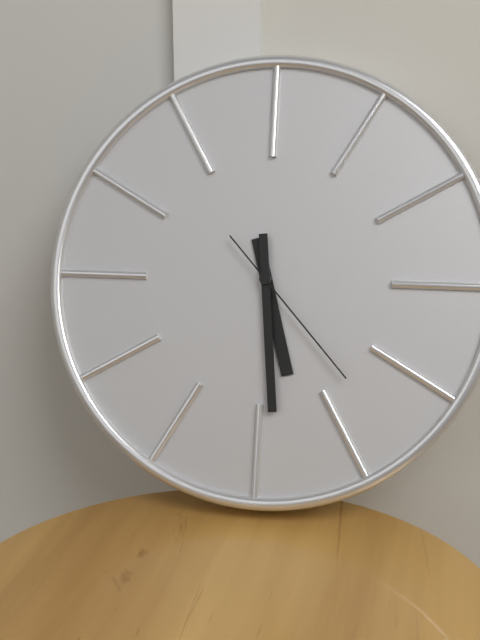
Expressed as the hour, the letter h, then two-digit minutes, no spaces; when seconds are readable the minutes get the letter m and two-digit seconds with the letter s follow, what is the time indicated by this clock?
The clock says 5h29m23s
